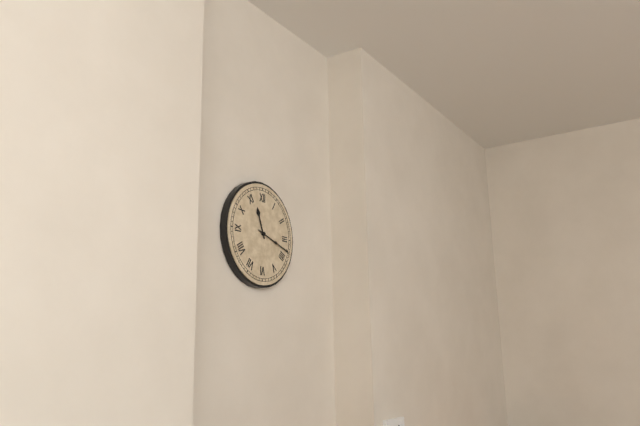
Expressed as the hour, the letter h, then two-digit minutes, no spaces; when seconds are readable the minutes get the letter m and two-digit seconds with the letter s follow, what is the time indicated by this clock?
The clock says 11h18
